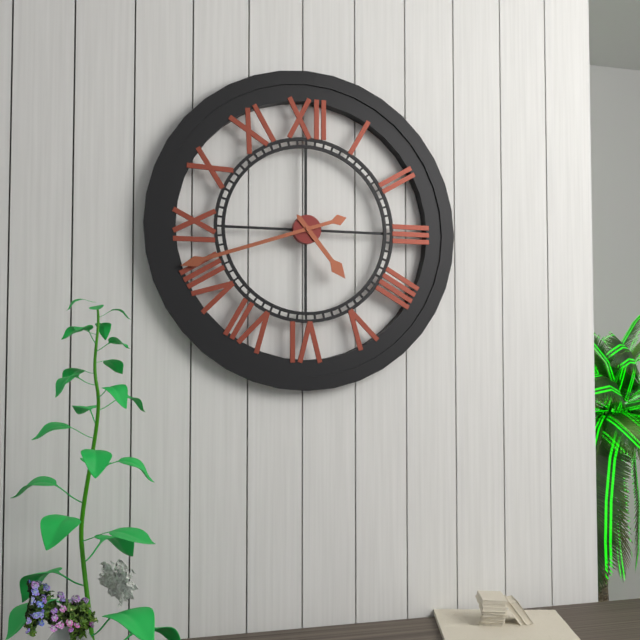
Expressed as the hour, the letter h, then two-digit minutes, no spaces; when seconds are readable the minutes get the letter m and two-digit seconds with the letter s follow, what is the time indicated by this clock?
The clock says 4h42
